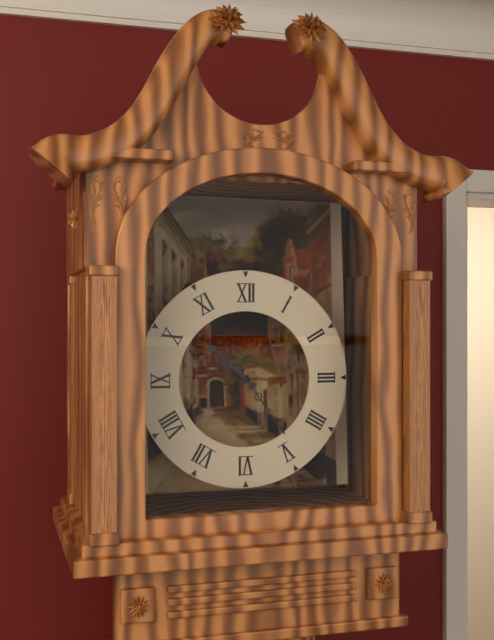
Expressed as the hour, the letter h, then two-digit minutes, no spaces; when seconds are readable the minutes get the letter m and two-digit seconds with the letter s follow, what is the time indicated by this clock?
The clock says 10h24
